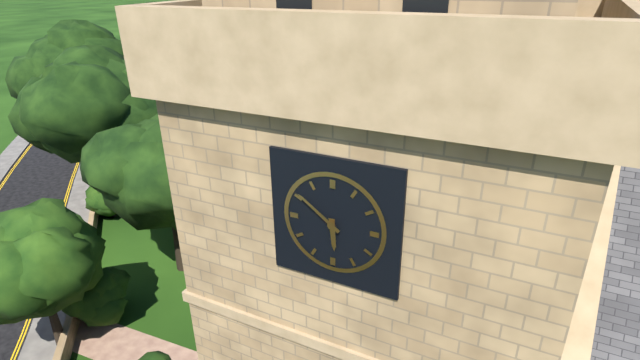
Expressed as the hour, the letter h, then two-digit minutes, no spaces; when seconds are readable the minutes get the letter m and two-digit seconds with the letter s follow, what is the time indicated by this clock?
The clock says 5h51
